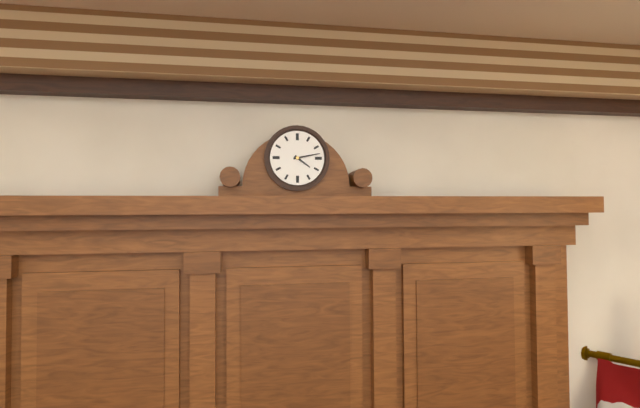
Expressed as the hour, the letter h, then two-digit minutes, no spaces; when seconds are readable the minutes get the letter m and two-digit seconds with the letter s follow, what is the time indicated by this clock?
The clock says 4h13
